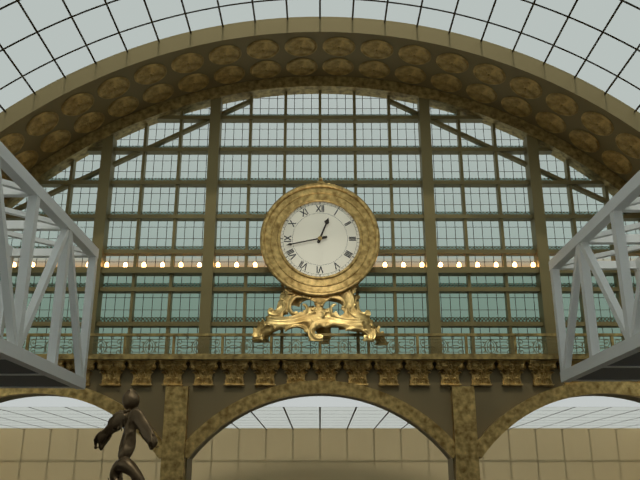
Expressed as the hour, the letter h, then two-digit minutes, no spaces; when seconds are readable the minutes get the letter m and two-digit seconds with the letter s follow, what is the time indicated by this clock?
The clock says 12h43
